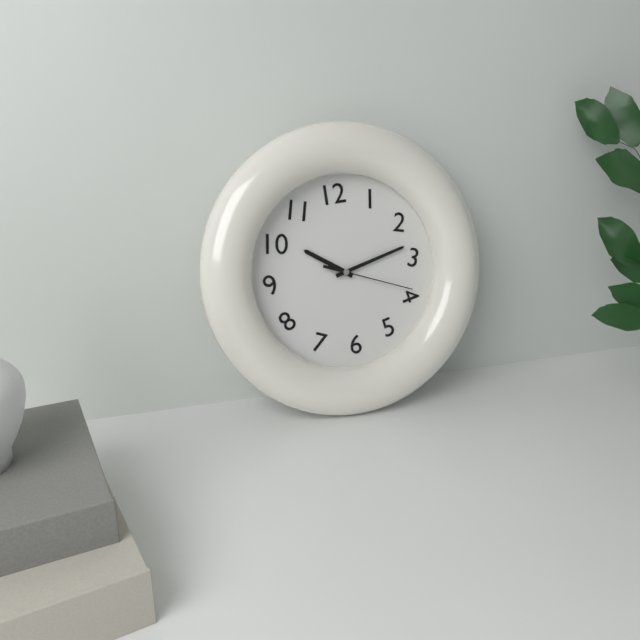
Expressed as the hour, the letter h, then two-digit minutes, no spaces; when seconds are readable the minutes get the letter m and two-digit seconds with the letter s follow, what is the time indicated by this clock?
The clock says 10h13m19s
